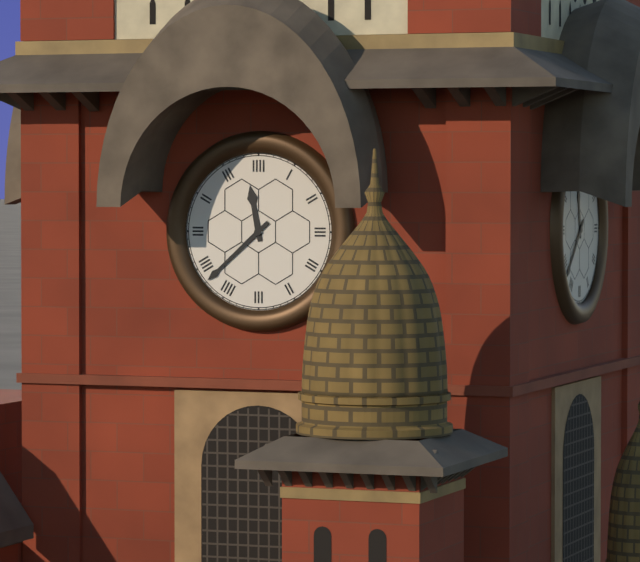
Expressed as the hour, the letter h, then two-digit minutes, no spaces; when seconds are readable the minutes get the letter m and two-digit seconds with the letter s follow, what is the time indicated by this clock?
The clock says 11h38
